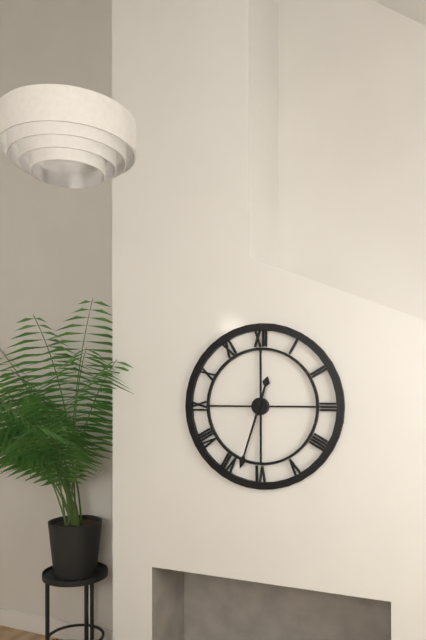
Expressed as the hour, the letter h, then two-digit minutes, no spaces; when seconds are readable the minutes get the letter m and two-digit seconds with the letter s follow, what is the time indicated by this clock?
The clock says 12h33
